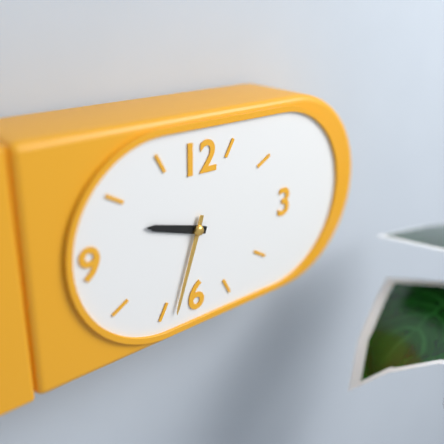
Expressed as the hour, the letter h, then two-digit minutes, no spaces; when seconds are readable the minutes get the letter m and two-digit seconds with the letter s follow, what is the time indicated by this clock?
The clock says 9h33
